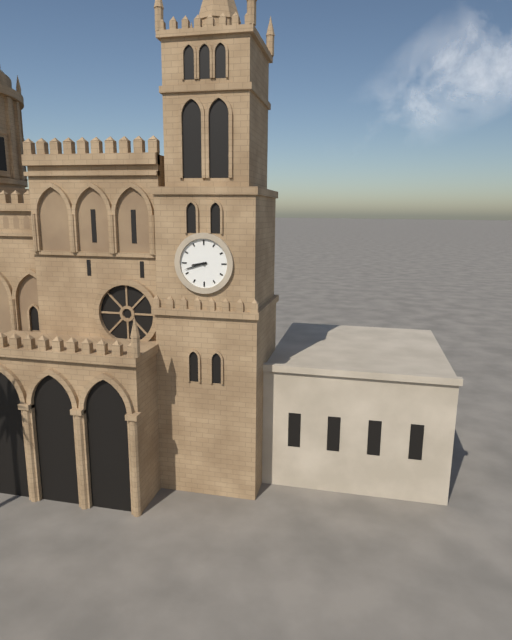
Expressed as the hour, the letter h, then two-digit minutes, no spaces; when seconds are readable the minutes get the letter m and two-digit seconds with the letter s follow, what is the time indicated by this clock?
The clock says 8h42
